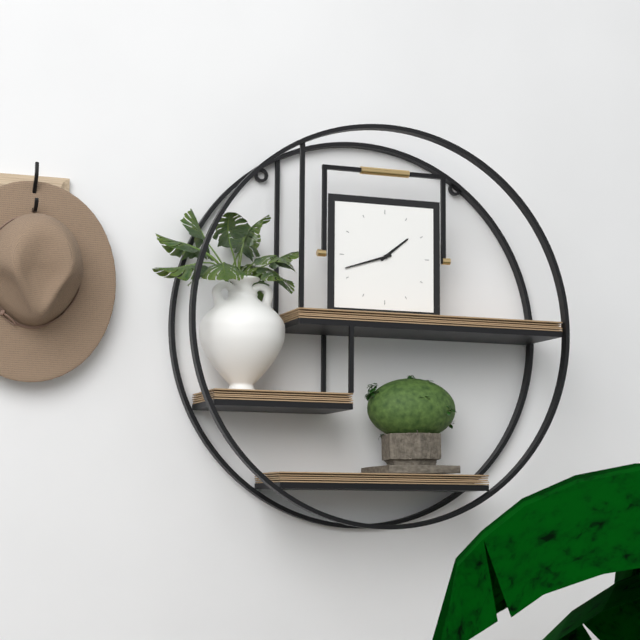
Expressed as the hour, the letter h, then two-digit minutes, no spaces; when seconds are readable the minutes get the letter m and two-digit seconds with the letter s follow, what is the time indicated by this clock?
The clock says 1h42
